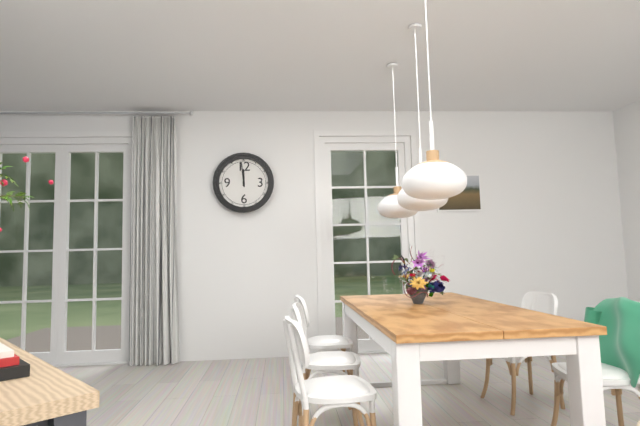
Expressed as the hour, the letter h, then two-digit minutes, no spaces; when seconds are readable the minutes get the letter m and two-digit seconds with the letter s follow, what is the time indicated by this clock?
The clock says 11h59
